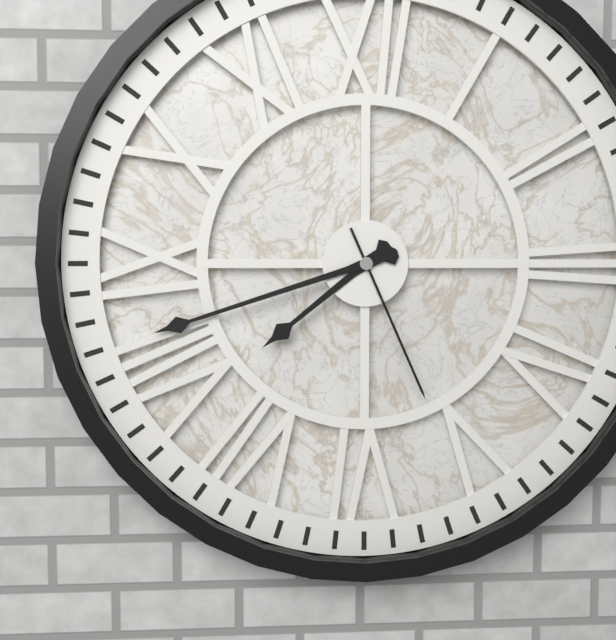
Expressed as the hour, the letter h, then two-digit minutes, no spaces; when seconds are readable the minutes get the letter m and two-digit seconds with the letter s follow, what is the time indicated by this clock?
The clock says 7h42m26s
